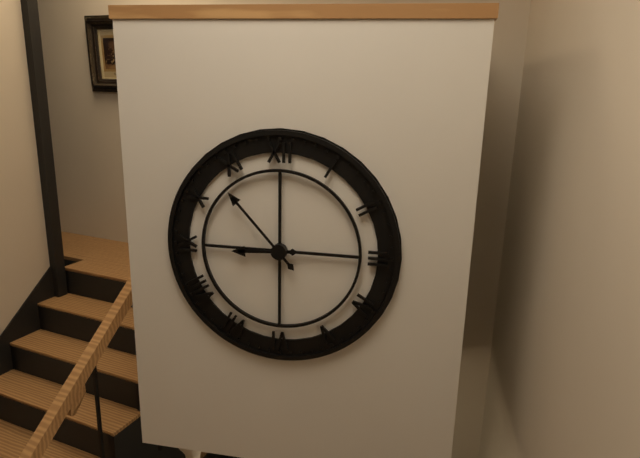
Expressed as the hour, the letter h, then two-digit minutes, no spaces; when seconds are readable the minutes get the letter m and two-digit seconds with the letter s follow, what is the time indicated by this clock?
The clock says 8h53
